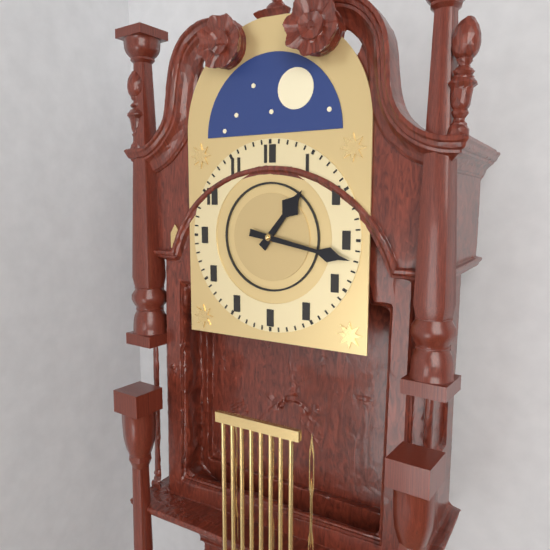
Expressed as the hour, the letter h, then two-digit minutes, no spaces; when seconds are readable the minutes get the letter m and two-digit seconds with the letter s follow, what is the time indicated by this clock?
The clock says 1h17
